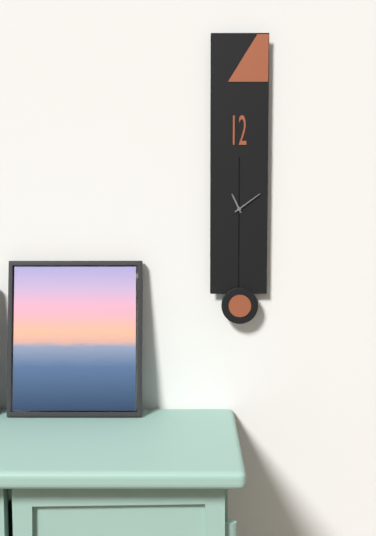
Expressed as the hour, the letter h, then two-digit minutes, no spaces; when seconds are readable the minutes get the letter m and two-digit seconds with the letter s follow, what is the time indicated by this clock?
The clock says 11h09
